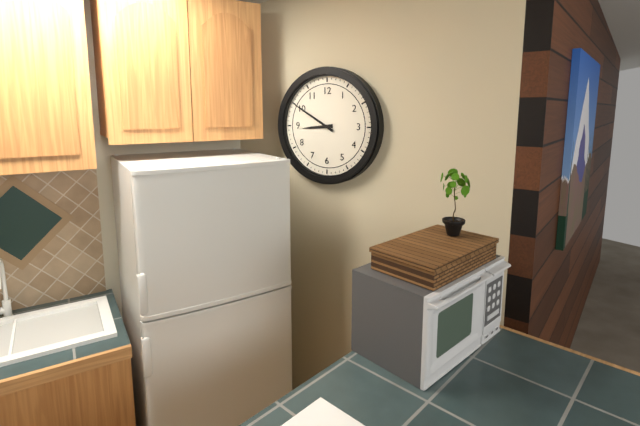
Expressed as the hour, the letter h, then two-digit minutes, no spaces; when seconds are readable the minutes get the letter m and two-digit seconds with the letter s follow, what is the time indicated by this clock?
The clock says 8h50
